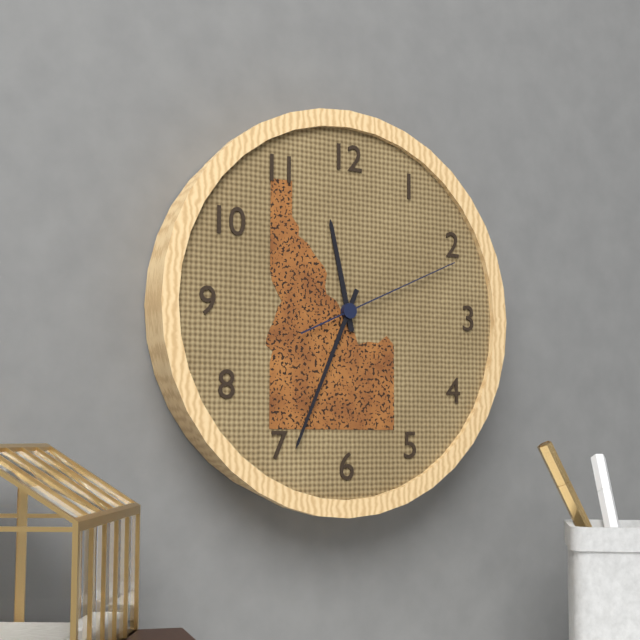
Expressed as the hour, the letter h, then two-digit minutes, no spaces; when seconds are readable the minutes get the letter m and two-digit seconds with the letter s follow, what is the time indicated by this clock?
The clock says 11h34m11s
